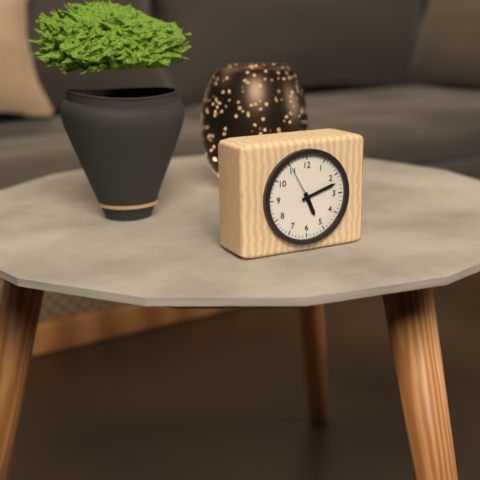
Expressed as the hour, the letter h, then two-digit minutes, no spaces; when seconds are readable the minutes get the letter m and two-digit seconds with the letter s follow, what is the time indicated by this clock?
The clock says 5h12
